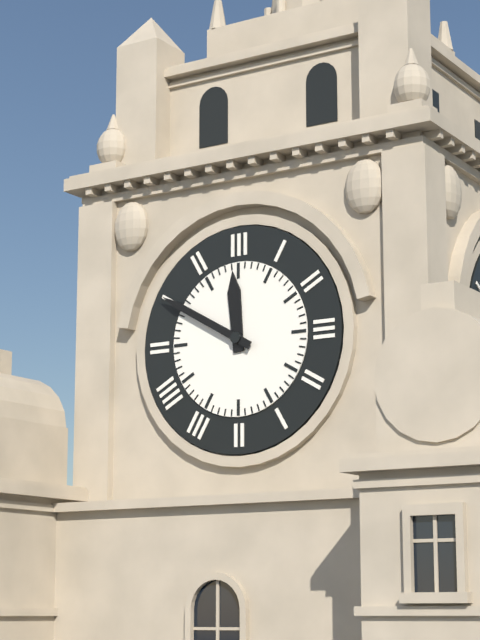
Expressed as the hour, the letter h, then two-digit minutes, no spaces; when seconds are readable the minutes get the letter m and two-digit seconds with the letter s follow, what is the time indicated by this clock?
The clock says 11h50
